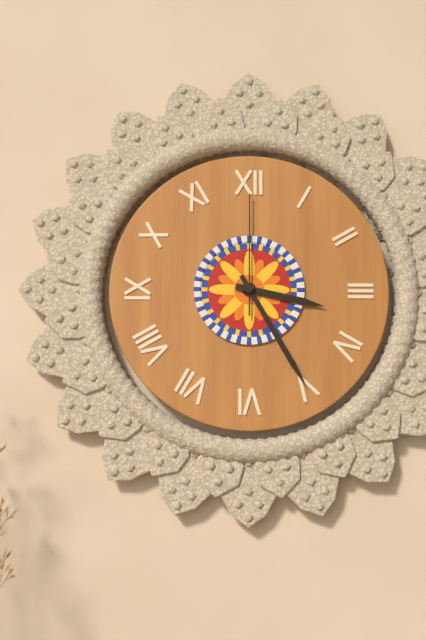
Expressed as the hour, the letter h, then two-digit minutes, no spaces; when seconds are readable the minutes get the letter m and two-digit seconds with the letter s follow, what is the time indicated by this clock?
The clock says 3h25m00s
